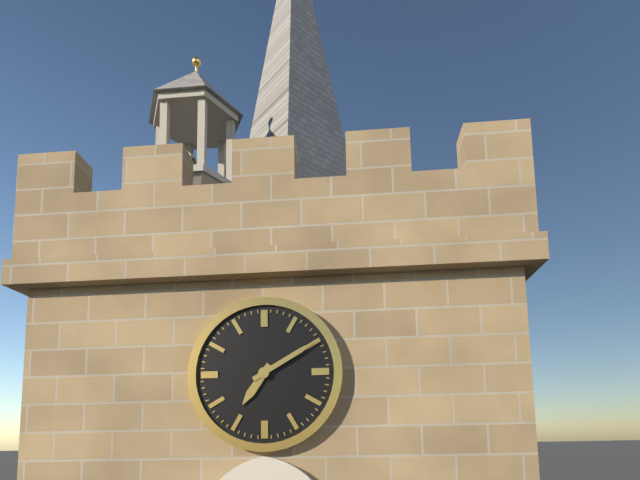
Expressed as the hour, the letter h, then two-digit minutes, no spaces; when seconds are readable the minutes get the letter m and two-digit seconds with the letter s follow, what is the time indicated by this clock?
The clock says 7h10
